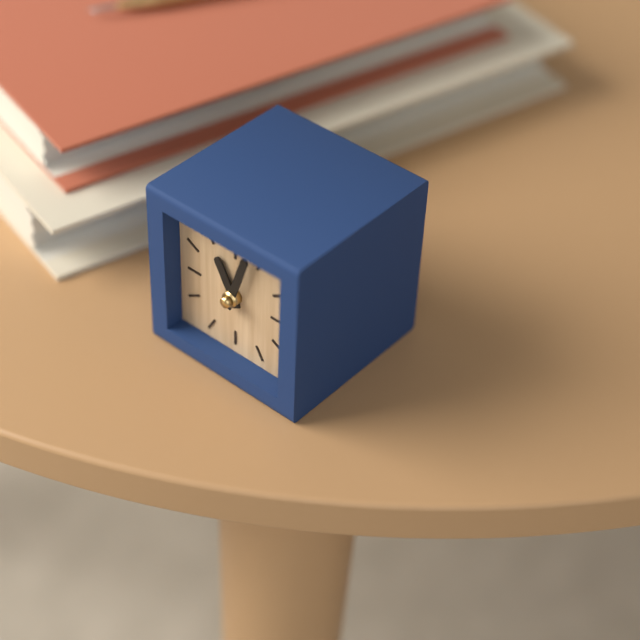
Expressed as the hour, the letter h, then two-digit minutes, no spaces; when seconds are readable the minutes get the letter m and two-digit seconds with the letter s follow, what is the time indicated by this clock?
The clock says 11h03
